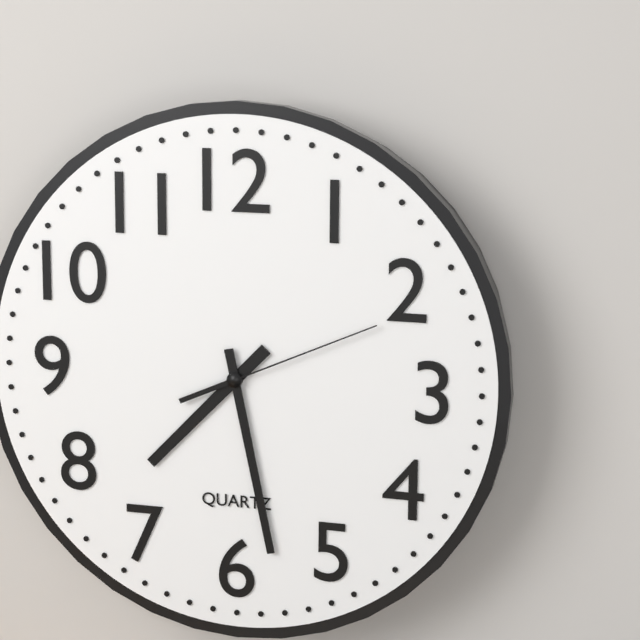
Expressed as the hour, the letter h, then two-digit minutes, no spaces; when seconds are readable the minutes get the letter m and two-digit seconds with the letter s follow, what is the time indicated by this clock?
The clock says 7h28m11s
